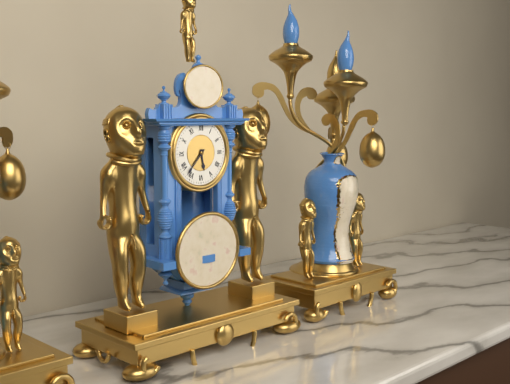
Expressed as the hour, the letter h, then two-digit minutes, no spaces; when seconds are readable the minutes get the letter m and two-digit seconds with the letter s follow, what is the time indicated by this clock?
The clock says 5h37
